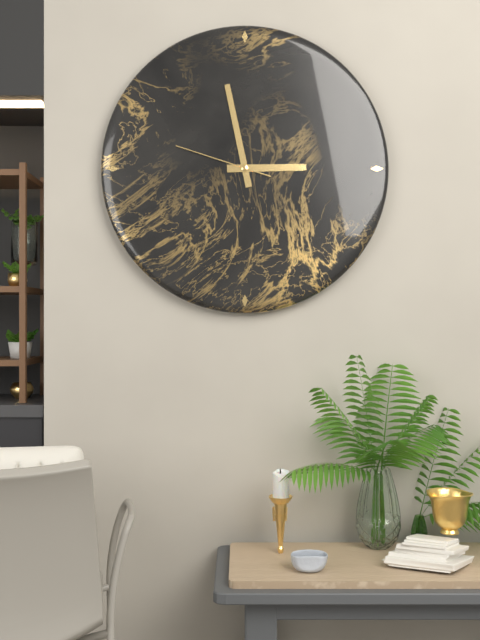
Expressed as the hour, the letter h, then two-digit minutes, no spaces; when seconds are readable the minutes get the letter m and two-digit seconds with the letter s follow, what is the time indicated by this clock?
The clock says 2h58m48s
